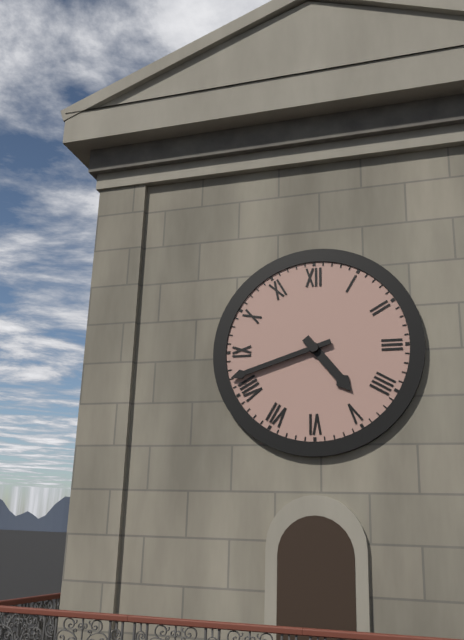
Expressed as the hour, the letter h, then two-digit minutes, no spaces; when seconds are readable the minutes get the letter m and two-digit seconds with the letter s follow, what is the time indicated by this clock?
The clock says 4h42
